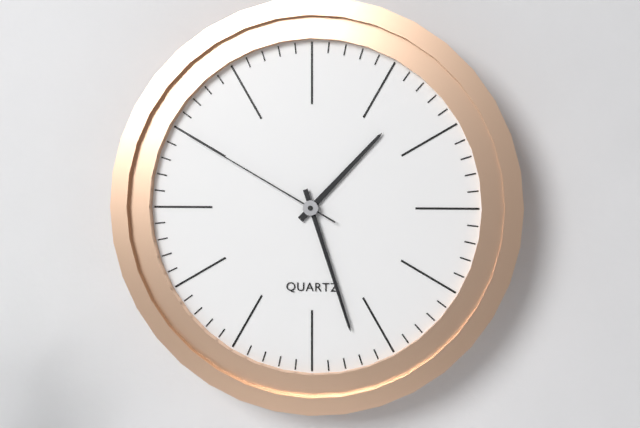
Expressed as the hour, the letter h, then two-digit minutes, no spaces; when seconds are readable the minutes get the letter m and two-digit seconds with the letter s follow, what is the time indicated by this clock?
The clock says 1h27m50s
